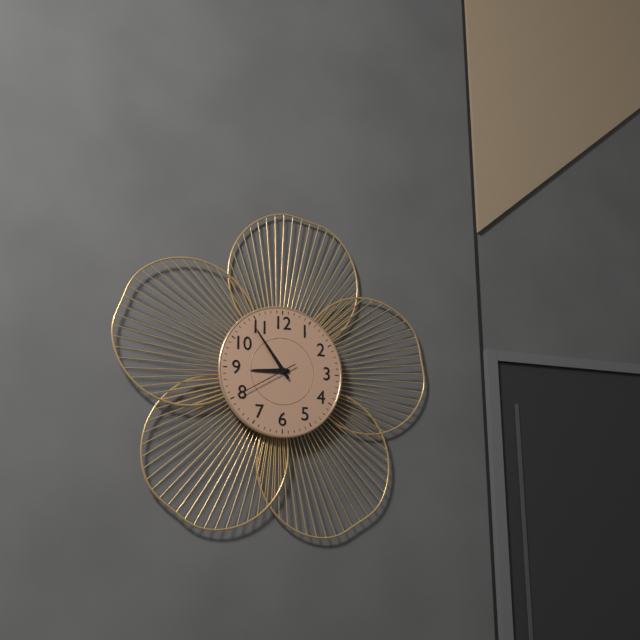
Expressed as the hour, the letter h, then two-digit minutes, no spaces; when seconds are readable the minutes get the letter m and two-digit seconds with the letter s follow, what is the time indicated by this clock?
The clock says 8h54m40s
